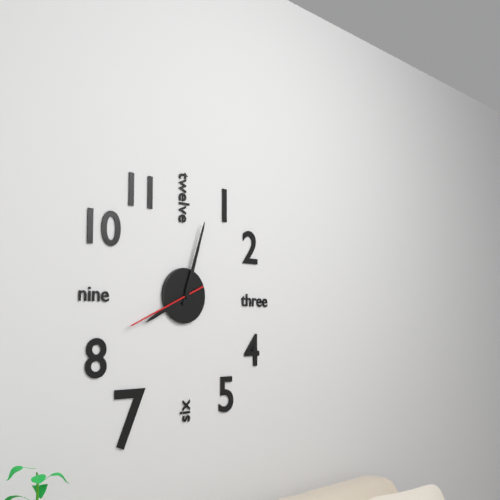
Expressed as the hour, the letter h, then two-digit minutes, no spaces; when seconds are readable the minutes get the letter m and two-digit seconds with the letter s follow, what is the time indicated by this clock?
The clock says 8h03m41s
